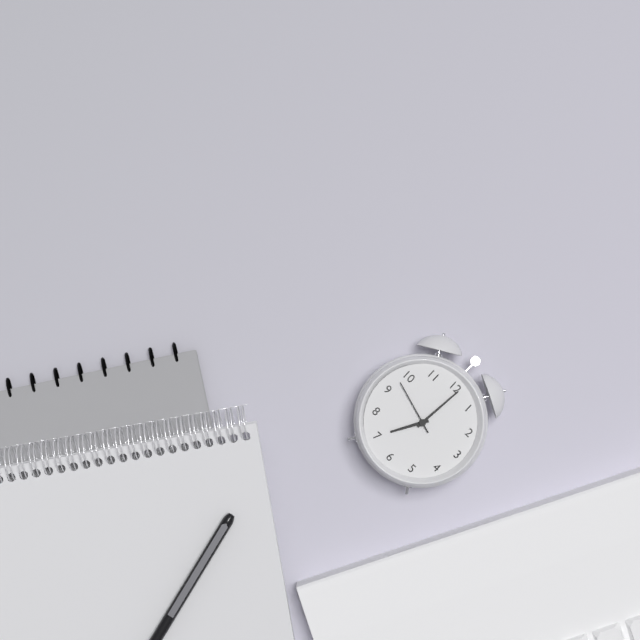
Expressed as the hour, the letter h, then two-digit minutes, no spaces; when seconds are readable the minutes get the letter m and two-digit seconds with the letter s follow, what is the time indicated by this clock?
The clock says 7h01m48s
